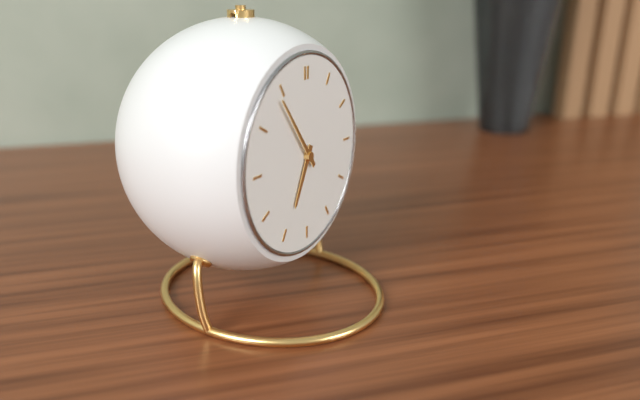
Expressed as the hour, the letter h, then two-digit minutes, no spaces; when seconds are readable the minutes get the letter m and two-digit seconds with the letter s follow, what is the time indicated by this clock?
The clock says 6h54
